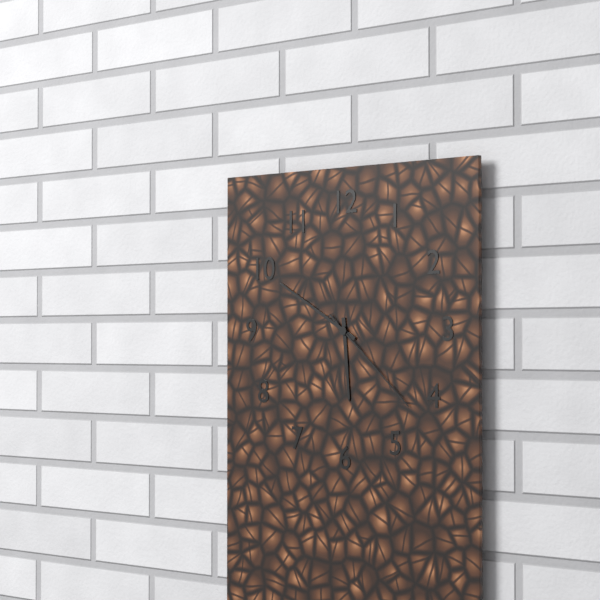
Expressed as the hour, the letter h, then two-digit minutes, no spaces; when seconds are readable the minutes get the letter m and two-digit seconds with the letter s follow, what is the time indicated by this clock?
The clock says 5h50m22s
